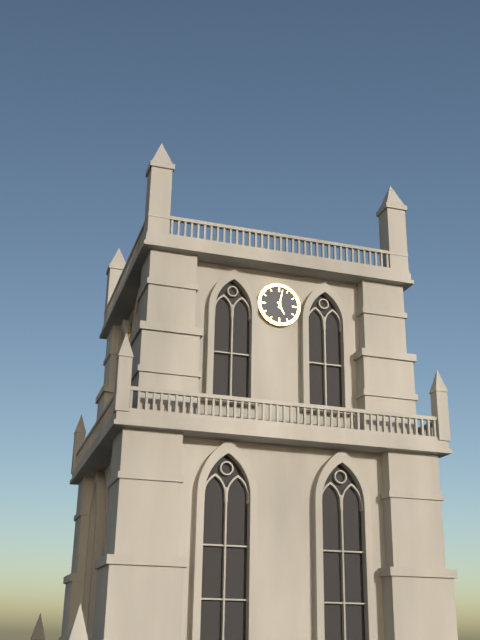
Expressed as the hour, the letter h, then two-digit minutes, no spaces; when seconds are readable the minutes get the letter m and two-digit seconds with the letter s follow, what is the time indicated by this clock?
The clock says 5h02
